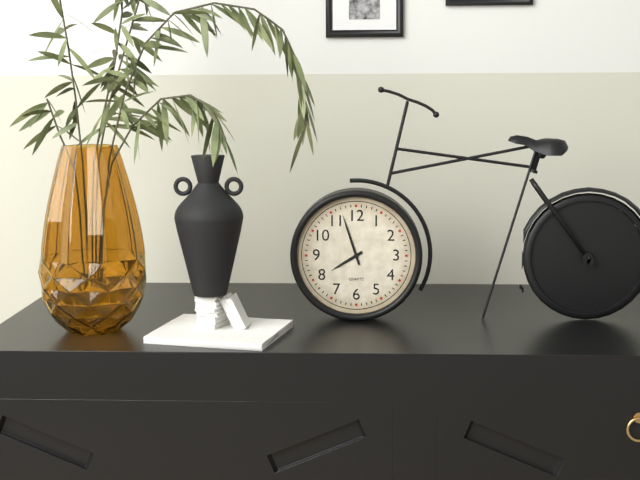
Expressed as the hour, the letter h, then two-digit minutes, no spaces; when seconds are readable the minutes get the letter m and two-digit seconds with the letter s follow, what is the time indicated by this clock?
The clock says 7h57
